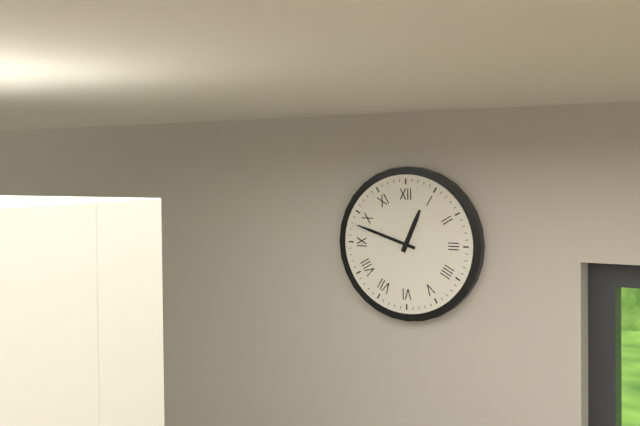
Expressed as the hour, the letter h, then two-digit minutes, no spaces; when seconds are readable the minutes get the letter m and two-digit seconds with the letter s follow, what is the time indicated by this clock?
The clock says 12h48
